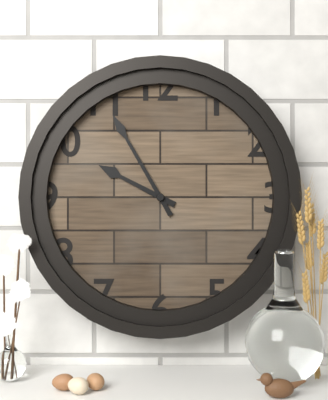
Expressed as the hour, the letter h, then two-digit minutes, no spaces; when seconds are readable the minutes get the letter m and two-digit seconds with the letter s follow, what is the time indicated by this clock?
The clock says 9h55
